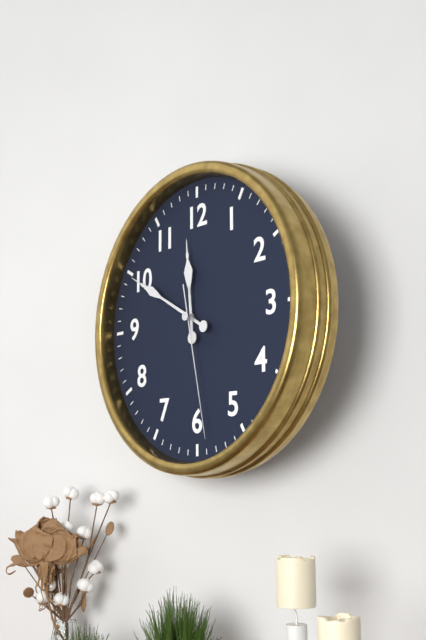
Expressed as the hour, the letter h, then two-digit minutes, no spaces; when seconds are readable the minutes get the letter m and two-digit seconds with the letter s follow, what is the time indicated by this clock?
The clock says 11h50m28s
